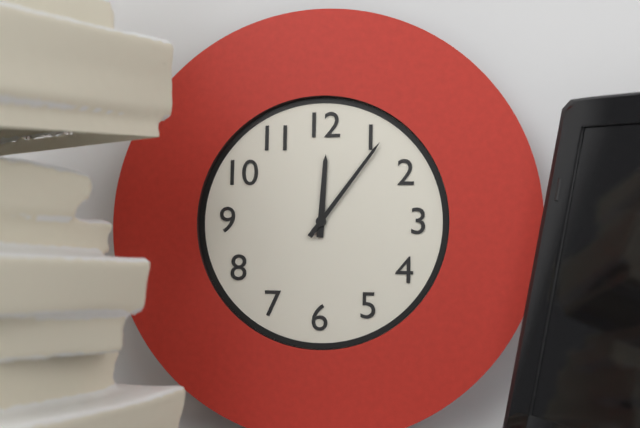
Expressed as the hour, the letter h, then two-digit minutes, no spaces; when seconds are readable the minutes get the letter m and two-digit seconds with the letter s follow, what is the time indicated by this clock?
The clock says 12h06
